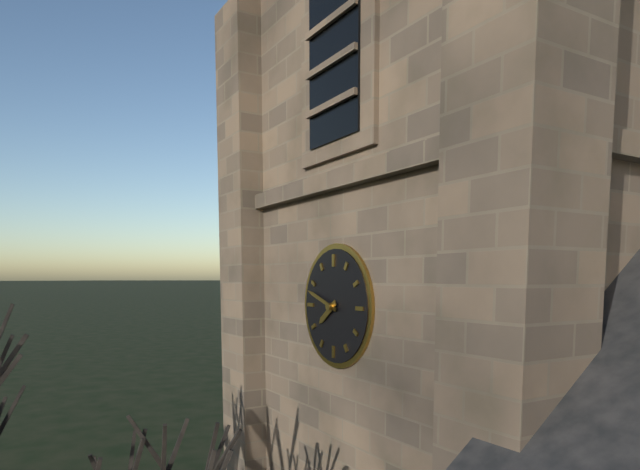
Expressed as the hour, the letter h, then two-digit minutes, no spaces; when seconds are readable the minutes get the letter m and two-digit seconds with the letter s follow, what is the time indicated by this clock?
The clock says 7h48
